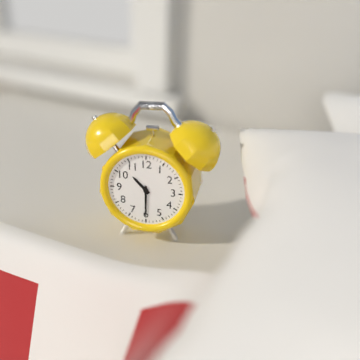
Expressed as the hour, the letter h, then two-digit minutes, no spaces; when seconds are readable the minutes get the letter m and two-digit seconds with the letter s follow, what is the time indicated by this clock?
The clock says 10h30
